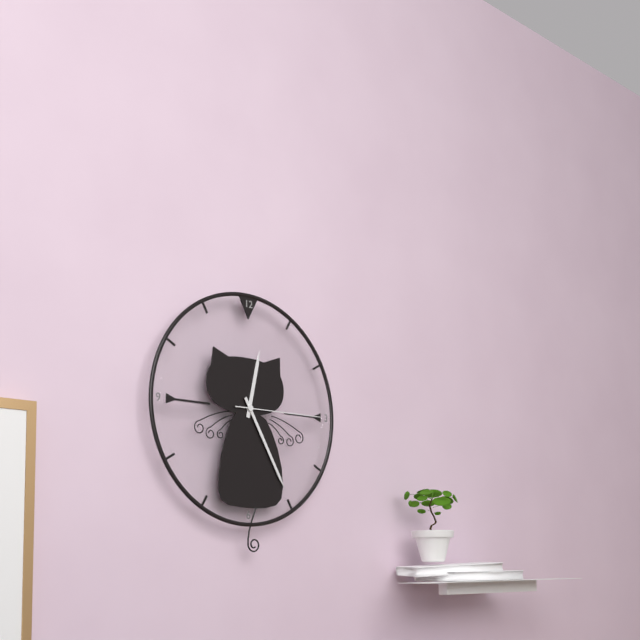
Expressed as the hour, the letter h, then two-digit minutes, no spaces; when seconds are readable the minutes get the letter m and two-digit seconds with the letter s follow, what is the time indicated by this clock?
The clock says 12h25m15s
